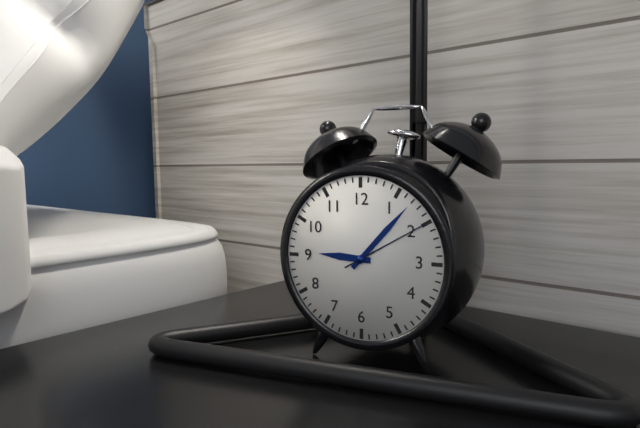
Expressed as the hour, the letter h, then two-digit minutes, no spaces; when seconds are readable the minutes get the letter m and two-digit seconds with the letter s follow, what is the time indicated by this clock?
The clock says 9h07m10s
